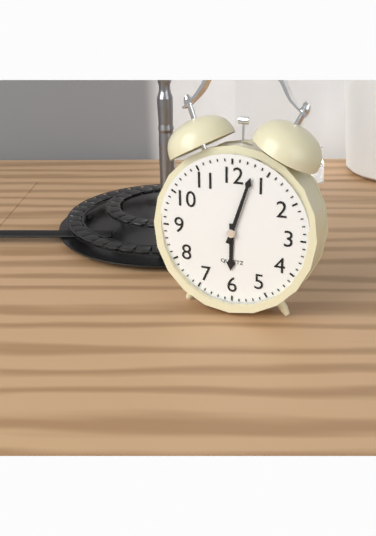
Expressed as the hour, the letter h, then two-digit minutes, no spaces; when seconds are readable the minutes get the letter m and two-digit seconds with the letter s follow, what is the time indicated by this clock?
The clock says 6h03
